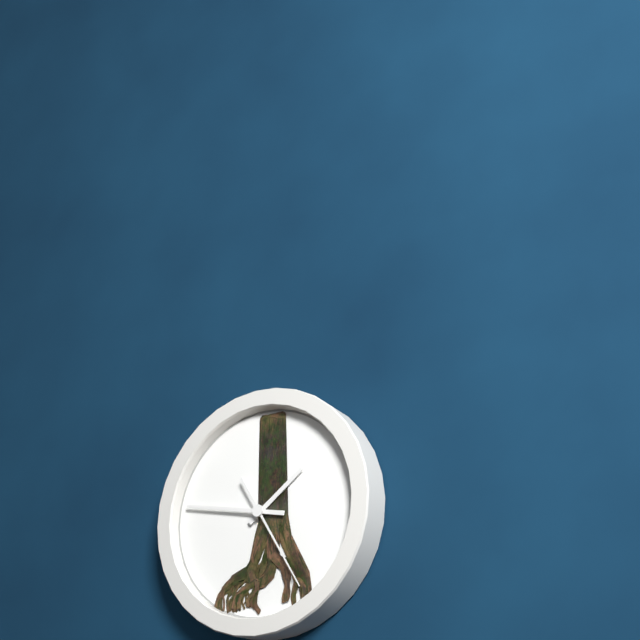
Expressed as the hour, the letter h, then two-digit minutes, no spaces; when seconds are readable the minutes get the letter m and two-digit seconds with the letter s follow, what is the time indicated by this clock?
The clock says 1h47m25s
